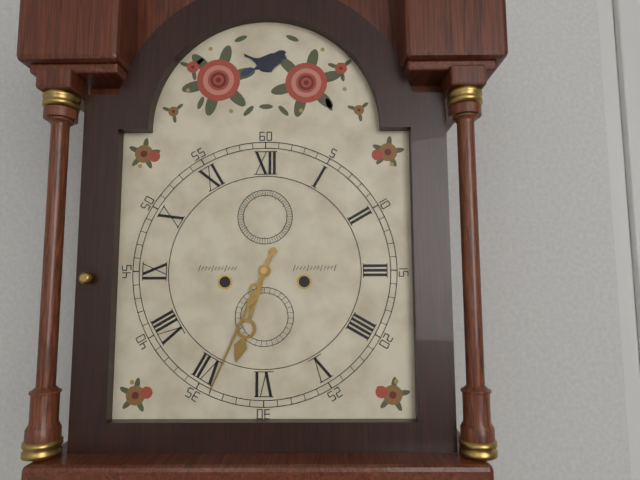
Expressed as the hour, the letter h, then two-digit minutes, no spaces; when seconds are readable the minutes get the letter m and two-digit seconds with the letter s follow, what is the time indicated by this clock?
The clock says 6h34
